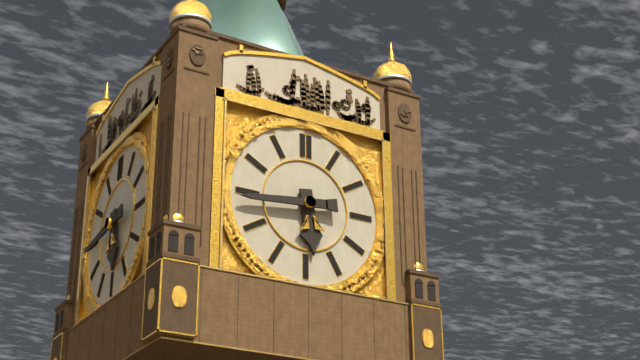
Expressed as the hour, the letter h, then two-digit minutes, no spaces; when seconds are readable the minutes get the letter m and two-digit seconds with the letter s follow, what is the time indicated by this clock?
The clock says 5h44
